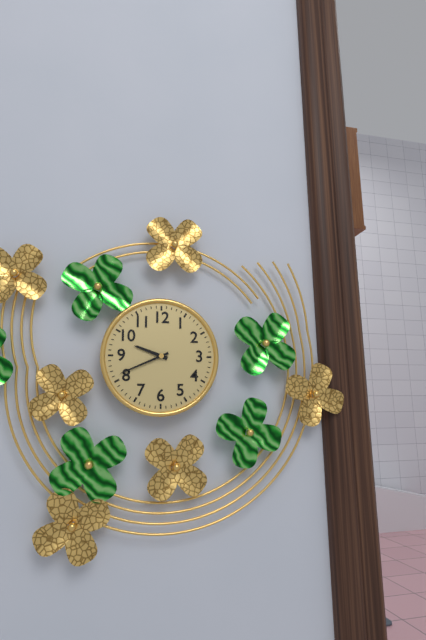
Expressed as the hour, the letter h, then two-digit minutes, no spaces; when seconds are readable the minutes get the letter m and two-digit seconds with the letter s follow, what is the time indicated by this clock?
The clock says 9h41
